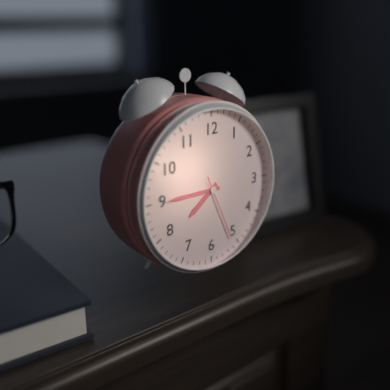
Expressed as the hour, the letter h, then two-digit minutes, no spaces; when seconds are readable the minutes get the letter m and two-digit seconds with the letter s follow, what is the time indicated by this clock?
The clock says 7h45m26s
